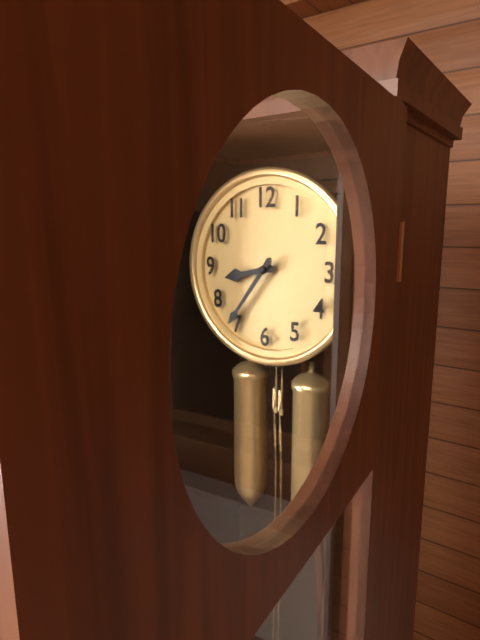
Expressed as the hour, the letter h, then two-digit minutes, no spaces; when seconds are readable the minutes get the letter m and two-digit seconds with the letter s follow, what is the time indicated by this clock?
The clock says 8h36
